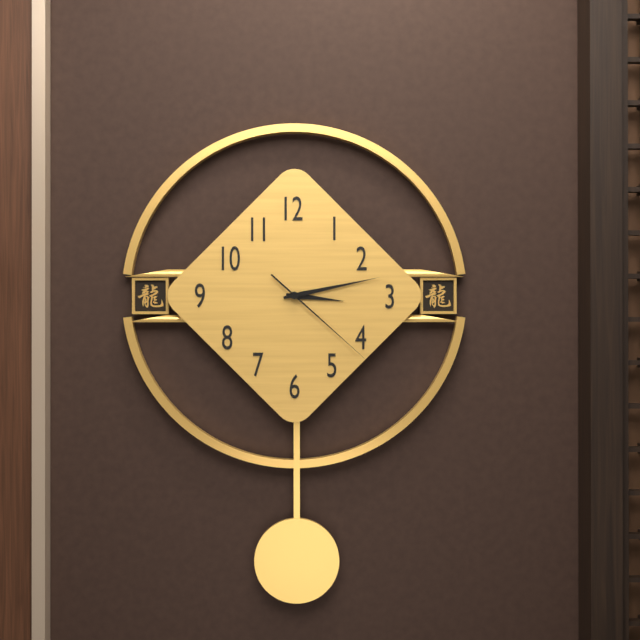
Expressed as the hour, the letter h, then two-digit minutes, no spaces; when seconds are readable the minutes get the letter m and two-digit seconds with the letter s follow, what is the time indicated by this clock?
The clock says 3h13m22s
